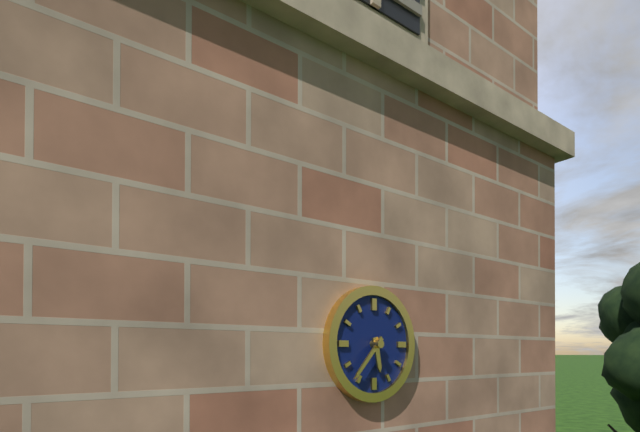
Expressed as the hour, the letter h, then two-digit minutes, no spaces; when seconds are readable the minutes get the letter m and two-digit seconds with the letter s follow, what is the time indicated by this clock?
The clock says 5h37
